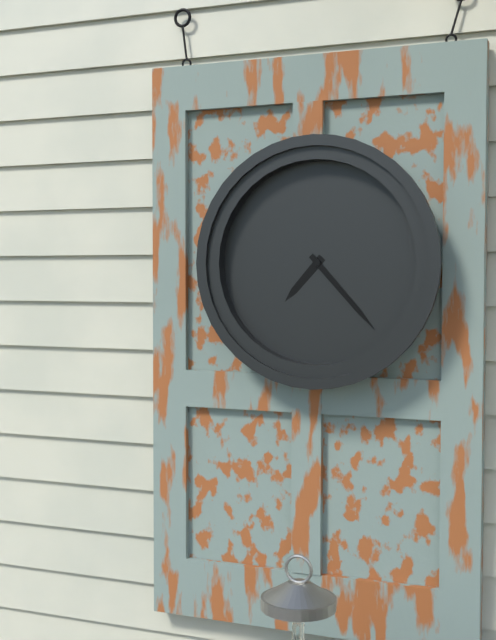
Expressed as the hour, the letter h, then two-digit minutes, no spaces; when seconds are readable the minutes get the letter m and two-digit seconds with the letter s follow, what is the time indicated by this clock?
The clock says 7h23
